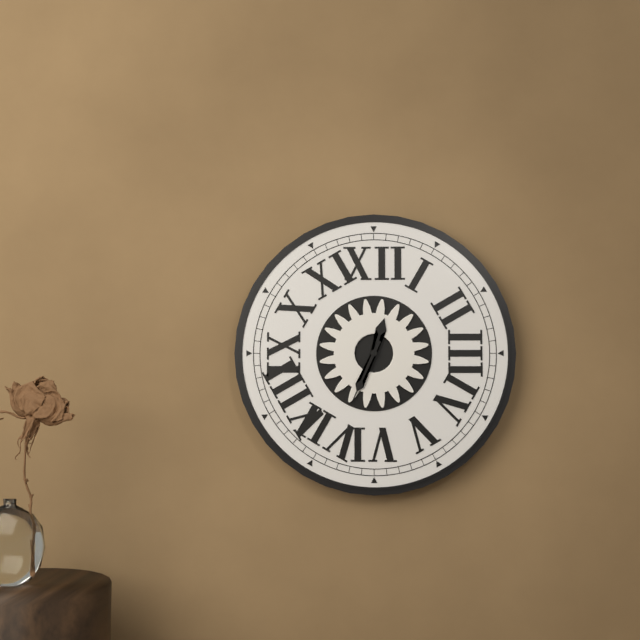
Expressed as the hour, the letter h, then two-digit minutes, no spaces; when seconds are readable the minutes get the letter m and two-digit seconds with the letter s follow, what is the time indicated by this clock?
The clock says 12h34
